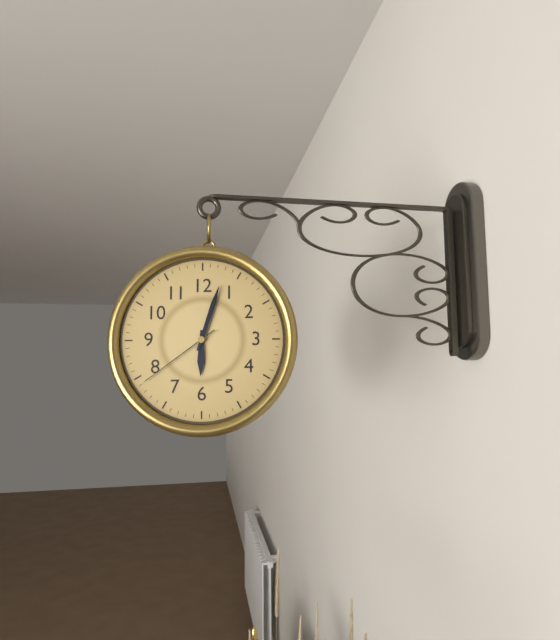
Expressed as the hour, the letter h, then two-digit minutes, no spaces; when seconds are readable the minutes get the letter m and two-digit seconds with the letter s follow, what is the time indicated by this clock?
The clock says 6h03m39s
